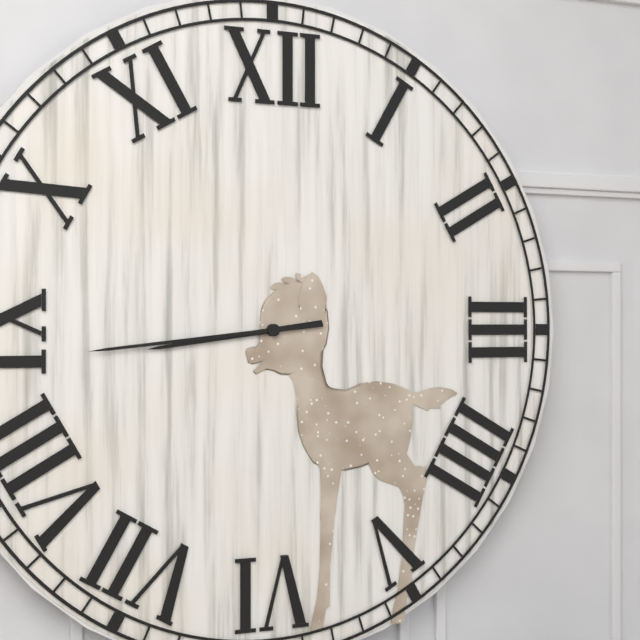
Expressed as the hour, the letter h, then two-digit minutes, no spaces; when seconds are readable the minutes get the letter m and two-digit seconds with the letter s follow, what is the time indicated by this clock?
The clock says 8h44
